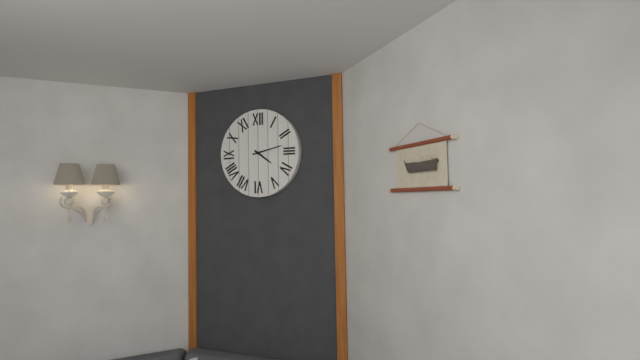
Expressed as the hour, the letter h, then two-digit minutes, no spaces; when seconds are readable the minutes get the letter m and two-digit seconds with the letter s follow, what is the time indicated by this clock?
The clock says 4h13
